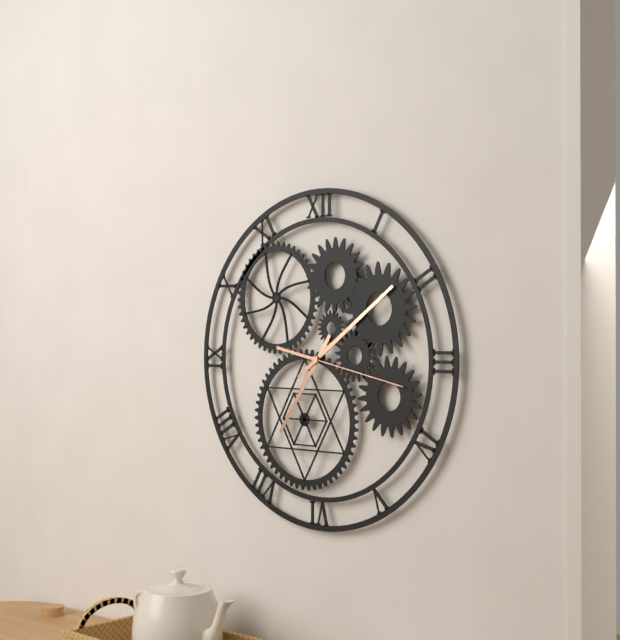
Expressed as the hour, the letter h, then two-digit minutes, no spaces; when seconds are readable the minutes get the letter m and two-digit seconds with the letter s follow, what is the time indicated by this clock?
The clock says 7h09m17s
